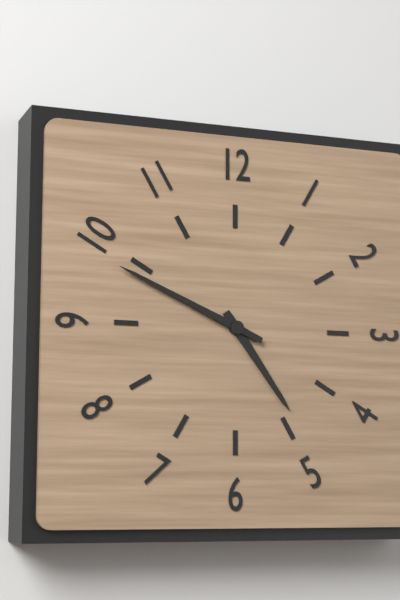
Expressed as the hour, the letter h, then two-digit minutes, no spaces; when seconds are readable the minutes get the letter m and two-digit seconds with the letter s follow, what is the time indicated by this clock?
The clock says 4h49
